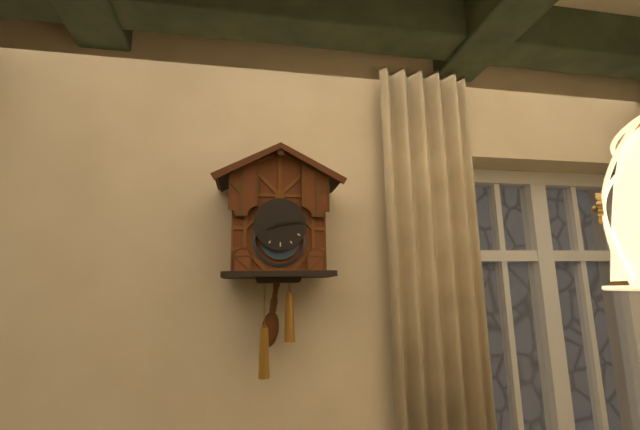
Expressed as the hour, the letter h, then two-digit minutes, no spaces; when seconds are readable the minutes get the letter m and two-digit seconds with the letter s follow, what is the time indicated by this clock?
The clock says 8h14
